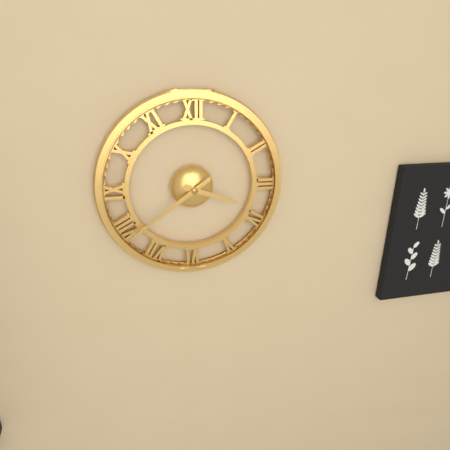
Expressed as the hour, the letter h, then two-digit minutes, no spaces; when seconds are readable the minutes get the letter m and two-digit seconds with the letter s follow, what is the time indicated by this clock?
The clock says 3h39
